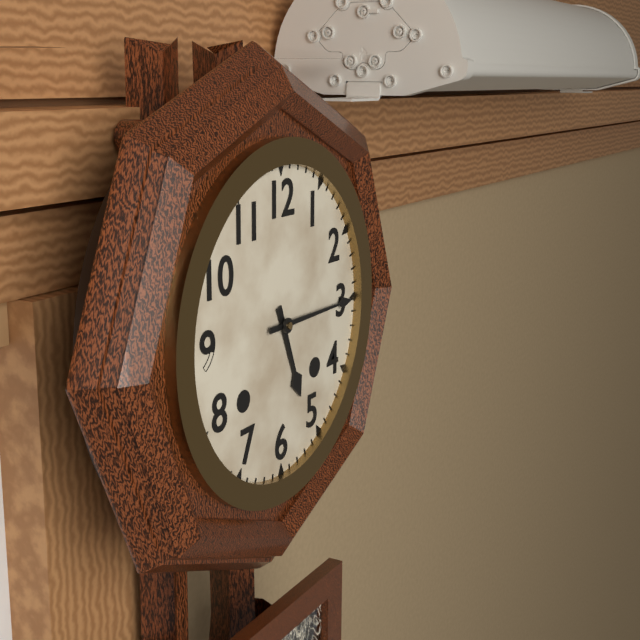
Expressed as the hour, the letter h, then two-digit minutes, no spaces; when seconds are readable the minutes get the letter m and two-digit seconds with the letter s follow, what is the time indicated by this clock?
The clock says 5h15
